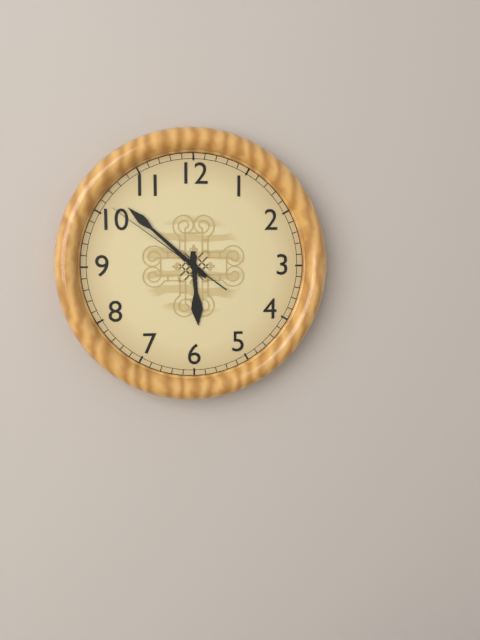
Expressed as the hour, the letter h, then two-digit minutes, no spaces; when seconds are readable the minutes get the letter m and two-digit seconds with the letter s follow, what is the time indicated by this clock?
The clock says 5h52m51s
